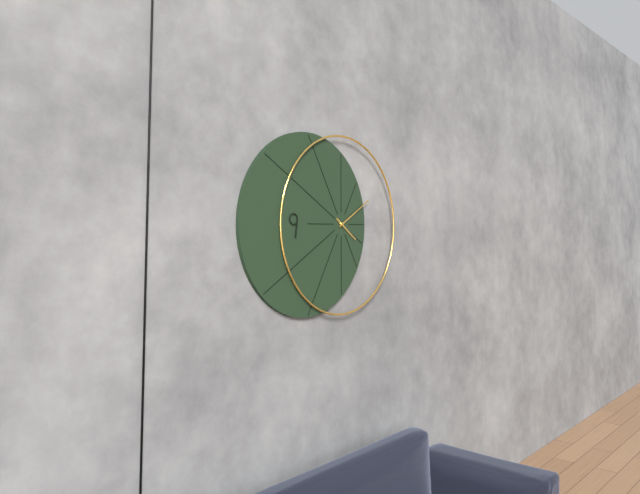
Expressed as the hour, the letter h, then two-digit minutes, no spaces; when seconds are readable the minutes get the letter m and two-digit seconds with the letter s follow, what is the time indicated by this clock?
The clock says 4h10
